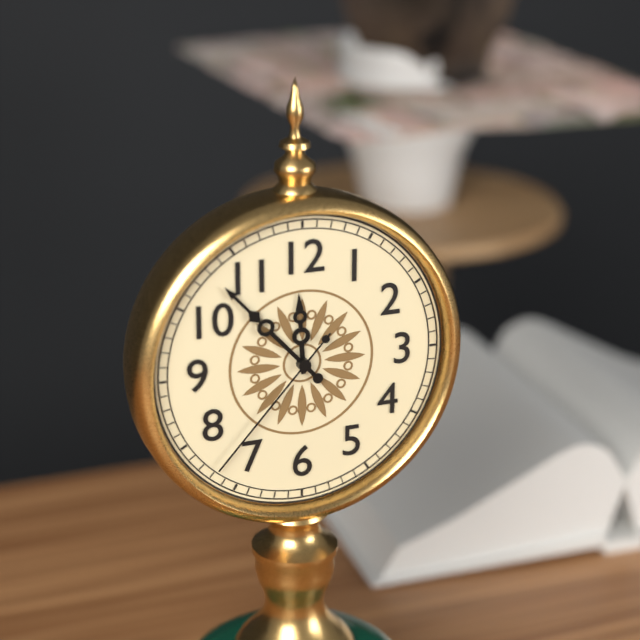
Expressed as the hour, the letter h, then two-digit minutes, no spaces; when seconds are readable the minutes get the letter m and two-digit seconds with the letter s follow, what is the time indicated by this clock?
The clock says 11h53m37s
